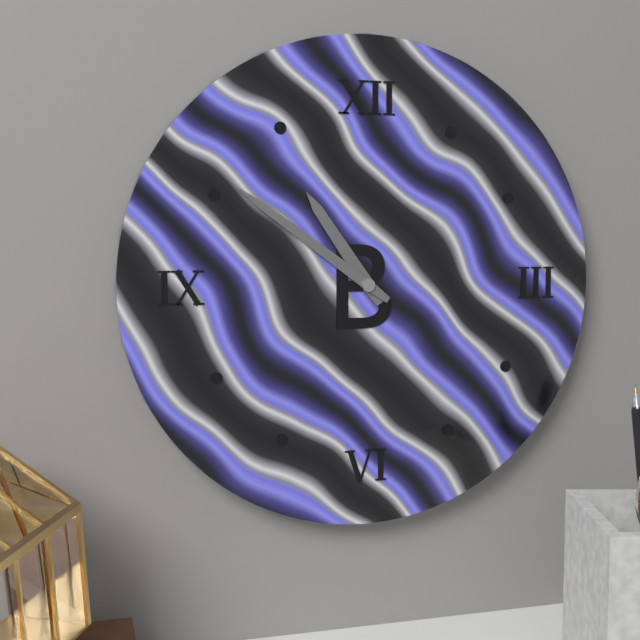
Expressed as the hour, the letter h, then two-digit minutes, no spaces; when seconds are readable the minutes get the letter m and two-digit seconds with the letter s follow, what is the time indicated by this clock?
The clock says 10h51
